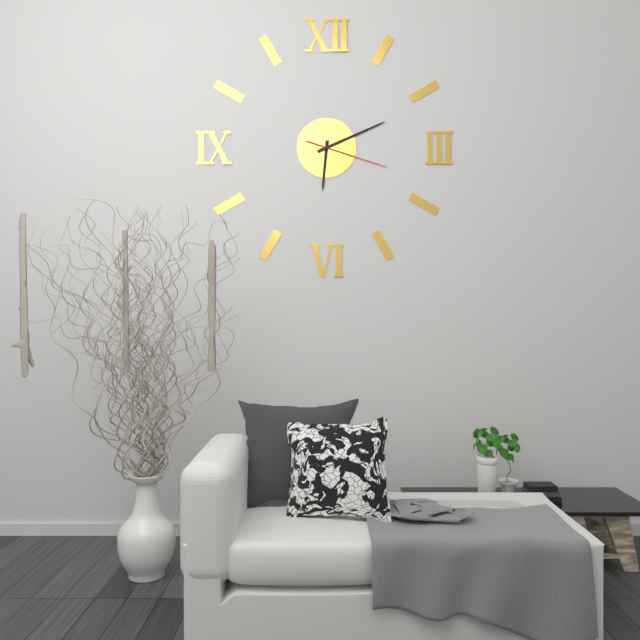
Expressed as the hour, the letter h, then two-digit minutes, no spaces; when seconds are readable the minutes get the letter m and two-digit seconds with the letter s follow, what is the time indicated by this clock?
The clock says 6h11m18s
